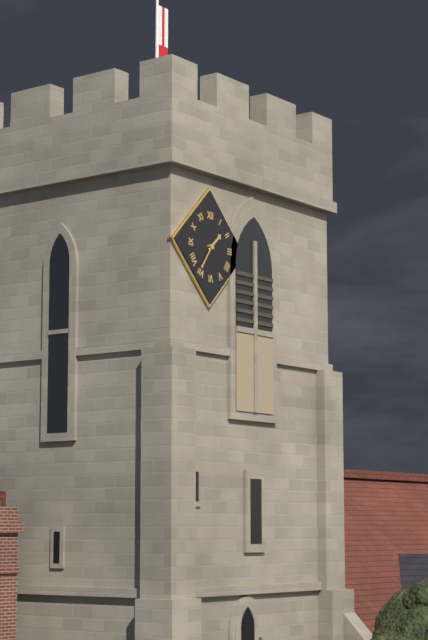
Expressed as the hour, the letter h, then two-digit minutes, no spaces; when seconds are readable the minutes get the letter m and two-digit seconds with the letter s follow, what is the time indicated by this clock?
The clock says 1h36
